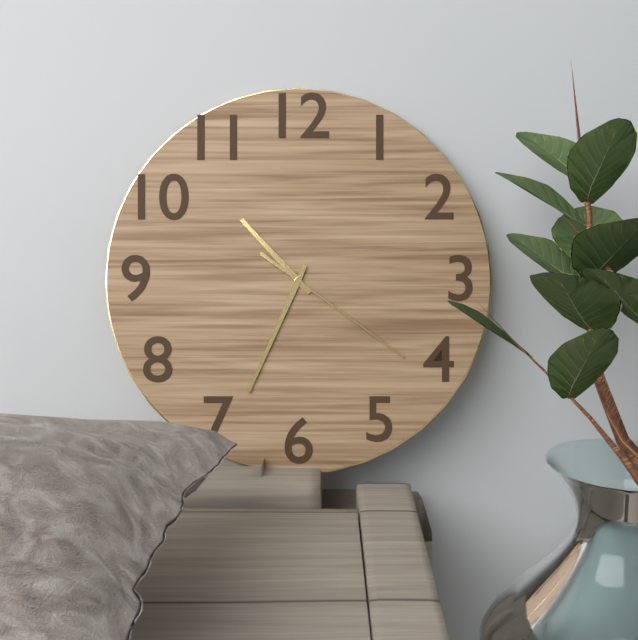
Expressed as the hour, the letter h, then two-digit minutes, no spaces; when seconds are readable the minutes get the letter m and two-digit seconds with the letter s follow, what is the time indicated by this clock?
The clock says 10h34m21s
